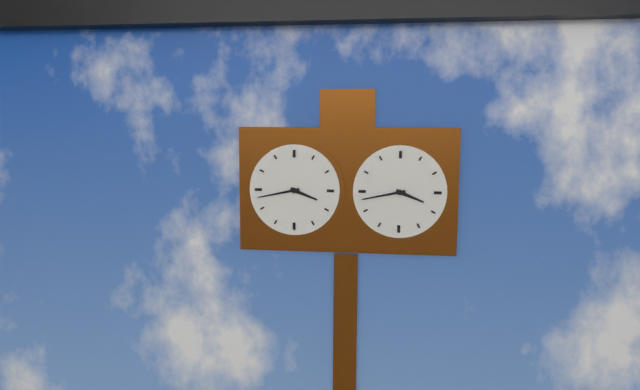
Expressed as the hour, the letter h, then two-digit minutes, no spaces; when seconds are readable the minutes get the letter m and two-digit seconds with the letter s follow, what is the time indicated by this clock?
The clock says 3h43
